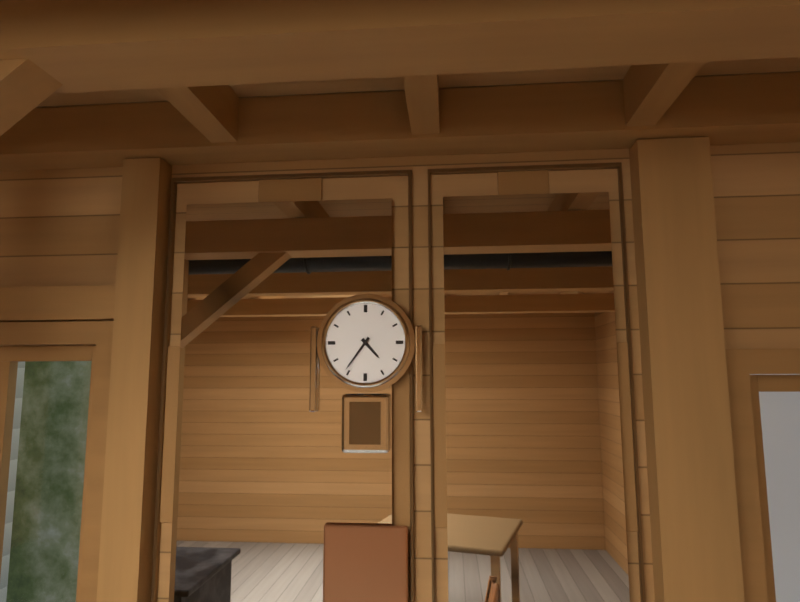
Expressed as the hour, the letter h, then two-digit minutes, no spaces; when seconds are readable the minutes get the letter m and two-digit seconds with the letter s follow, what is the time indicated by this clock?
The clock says 4h36
